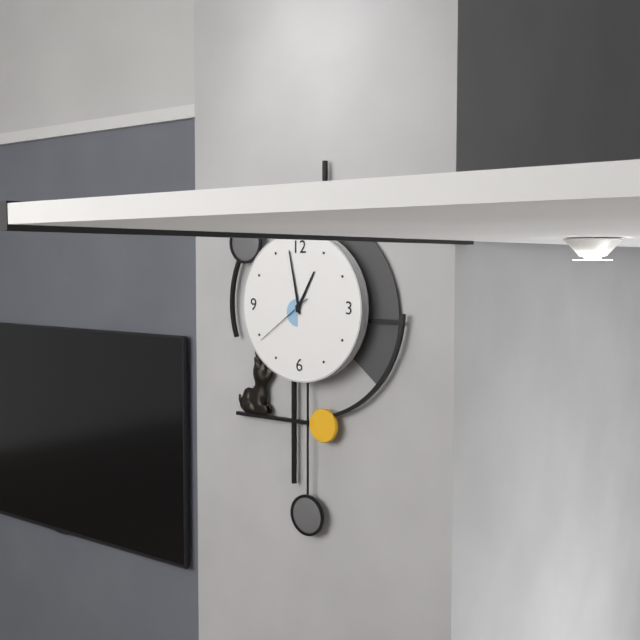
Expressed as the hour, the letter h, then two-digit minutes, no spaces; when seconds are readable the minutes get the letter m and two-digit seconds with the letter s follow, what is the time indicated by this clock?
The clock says 12h58m39s
